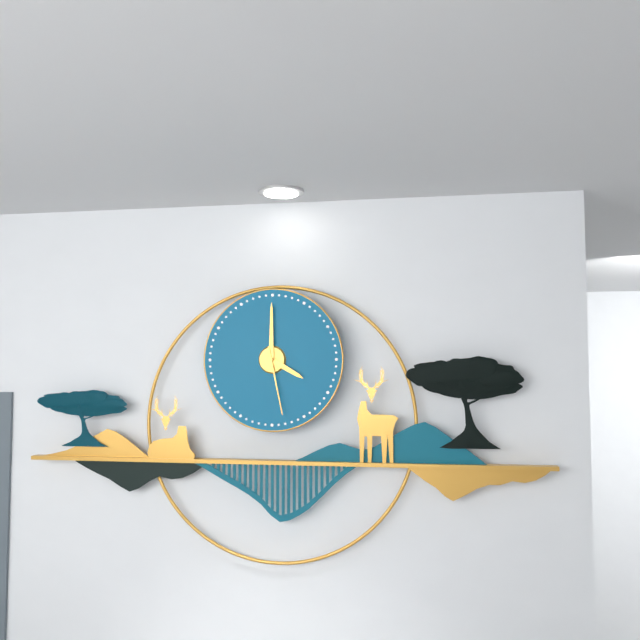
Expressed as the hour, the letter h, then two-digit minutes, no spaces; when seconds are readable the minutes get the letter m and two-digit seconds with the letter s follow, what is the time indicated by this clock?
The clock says 4h00m28s
